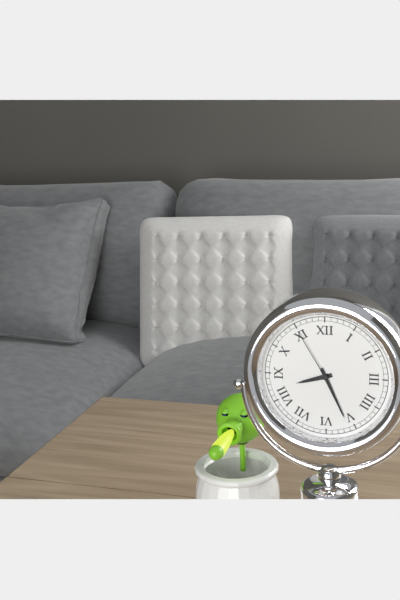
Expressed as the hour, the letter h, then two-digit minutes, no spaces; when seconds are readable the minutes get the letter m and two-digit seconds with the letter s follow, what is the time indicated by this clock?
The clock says 8h26m55s
